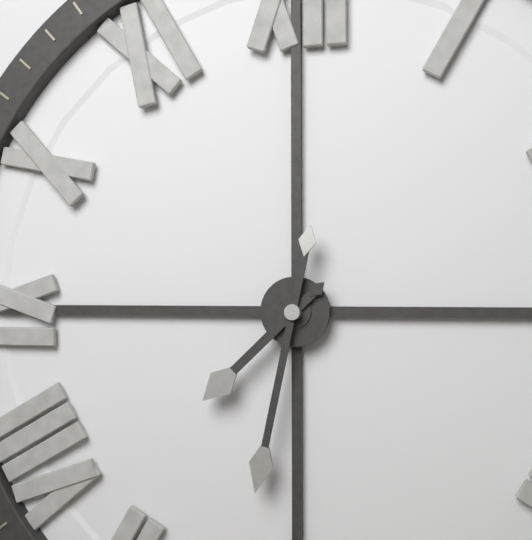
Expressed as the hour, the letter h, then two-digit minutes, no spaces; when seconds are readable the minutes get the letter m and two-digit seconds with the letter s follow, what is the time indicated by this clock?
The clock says 7h32
